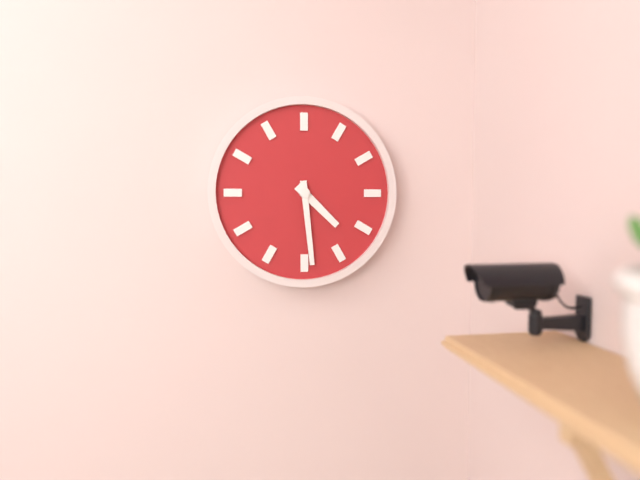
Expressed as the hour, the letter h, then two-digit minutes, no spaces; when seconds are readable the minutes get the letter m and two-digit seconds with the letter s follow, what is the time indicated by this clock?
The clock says 4h29
